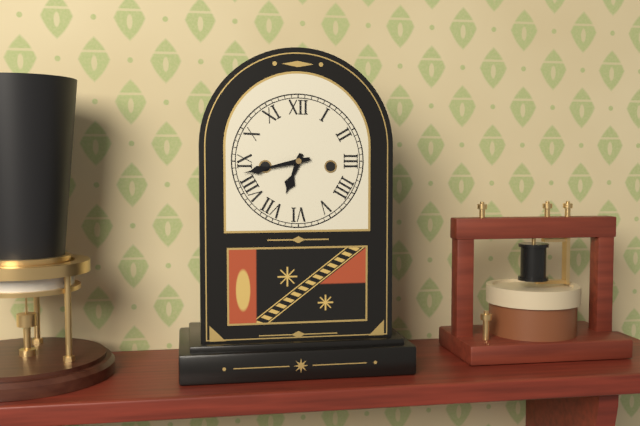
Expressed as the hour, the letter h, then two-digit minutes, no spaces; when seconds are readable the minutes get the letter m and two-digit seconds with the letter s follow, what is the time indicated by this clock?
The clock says 6h43
